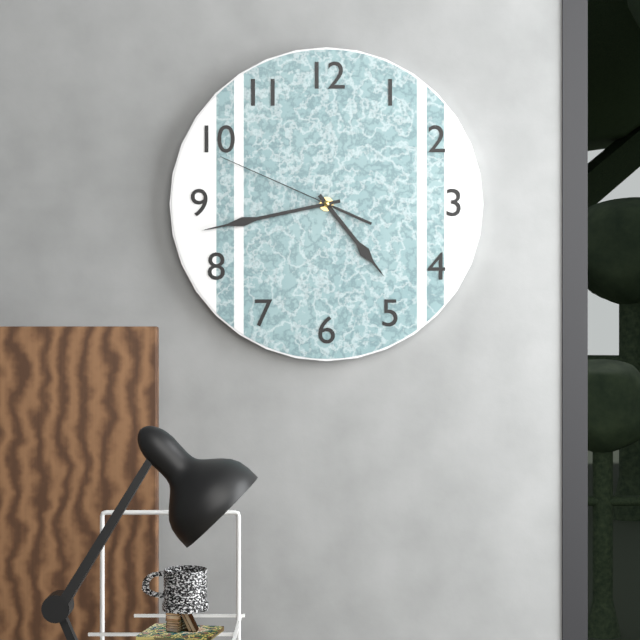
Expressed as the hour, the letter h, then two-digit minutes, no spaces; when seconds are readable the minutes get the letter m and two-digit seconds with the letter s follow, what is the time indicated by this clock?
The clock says 4h43m49s
